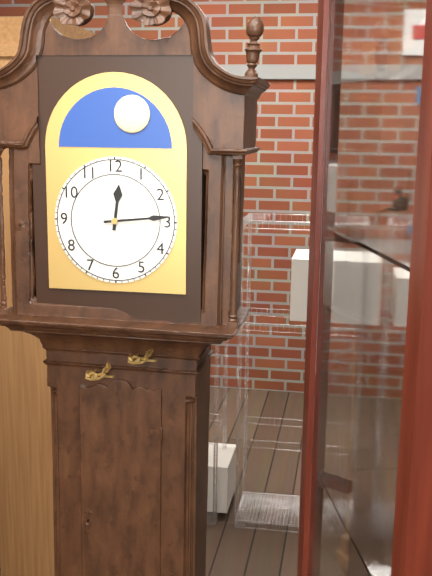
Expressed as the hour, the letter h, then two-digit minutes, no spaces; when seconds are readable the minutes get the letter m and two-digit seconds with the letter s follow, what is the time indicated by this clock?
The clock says 12h14
